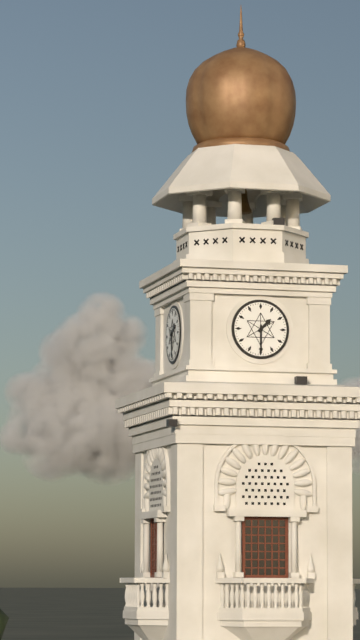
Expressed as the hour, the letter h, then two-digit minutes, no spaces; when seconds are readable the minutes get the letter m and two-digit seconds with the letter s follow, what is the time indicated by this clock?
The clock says 1h30
